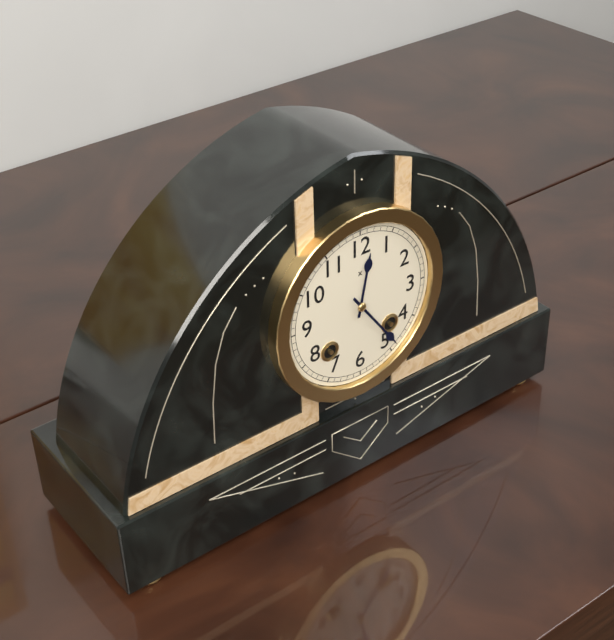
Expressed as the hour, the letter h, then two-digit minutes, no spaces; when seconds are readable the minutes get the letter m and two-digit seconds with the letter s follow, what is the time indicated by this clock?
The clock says 12h24
